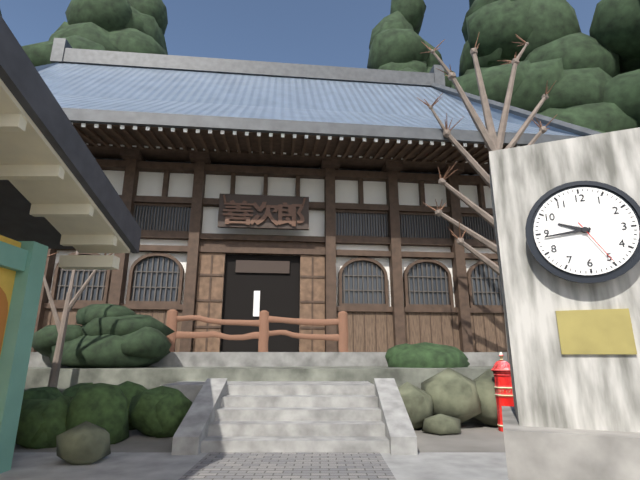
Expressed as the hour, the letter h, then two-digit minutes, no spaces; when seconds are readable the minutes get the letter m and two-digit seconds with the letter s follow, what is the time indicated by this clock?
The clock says 9h44m25s
